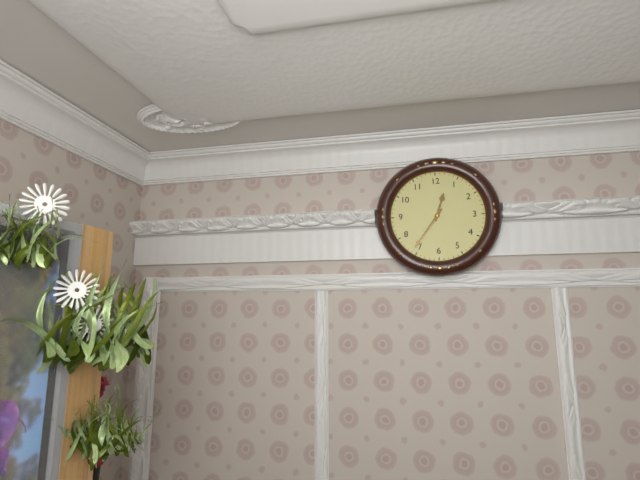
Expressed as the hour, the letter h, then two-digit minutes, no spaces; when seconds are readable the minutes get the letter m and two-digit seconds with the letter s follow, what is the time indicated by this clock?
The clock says 12h36
